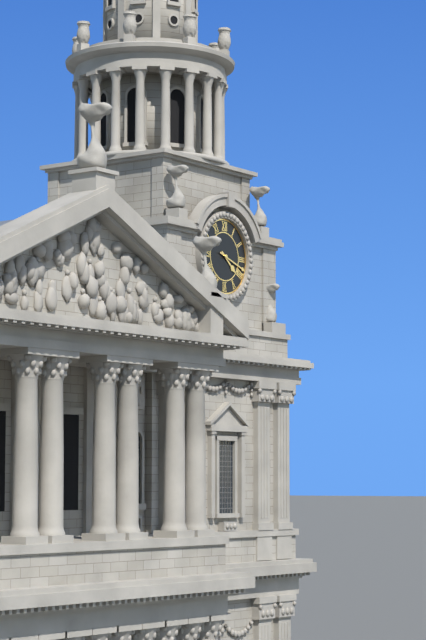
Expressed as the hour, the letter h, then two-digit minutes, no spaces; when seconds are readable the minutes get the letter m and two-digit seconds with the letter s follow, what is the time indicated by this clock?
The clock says 4h18
